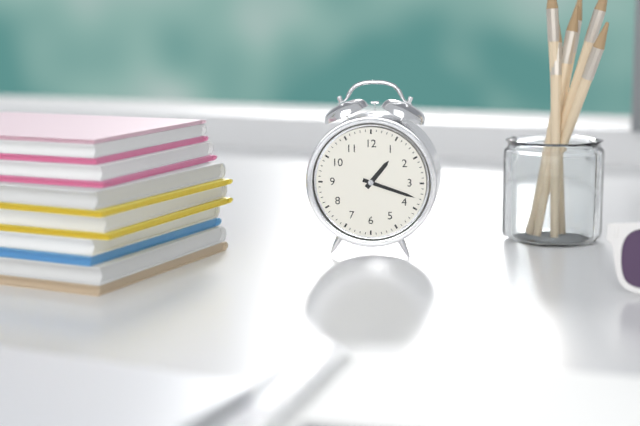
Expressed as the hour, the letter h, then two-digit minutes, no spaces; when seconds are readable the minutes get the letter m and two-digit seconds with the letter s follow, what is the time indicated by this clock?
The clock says 1h18
